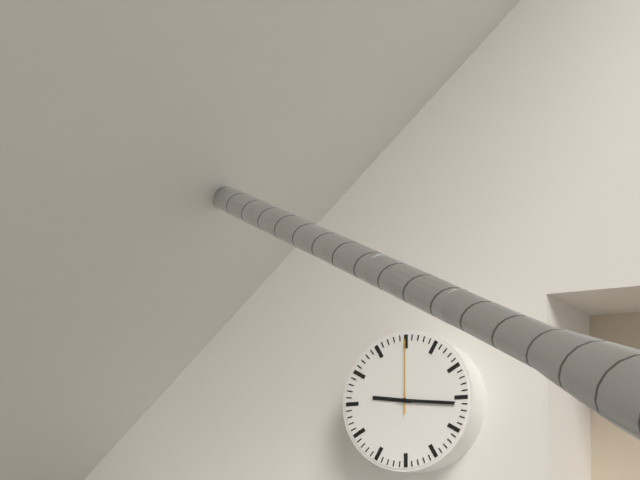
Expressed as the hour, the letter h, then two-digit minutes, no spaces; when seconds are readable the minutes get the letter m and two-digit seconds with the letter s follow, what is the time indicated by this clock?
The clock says 9h16m00s
